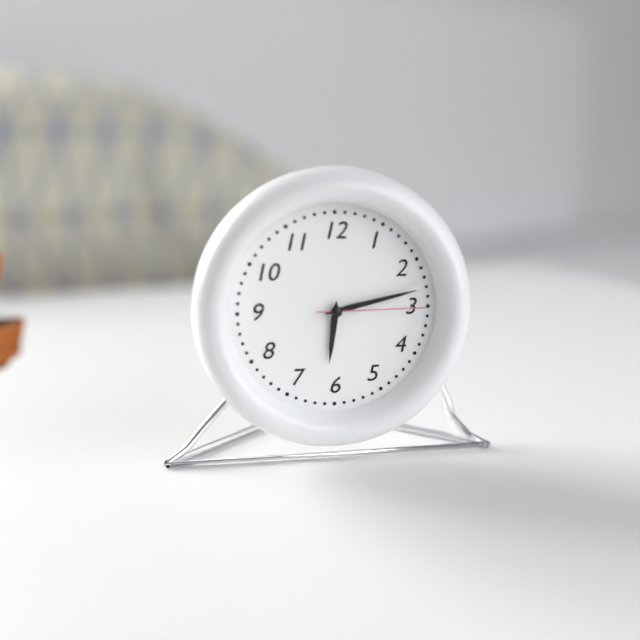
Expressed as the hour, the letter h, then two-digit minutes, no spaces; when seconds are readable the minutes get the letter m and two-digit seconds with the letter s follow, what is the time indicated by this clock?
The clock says 6h13m15s
